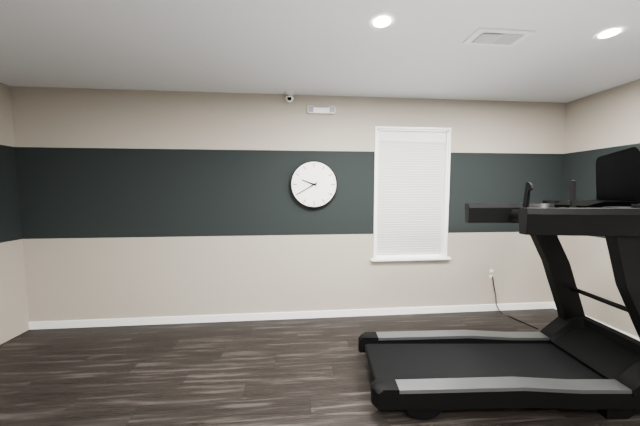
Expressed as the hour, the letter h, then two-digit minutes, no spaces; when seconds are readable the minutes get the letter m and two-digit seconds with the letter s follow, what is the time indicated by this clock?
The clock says 9h40
